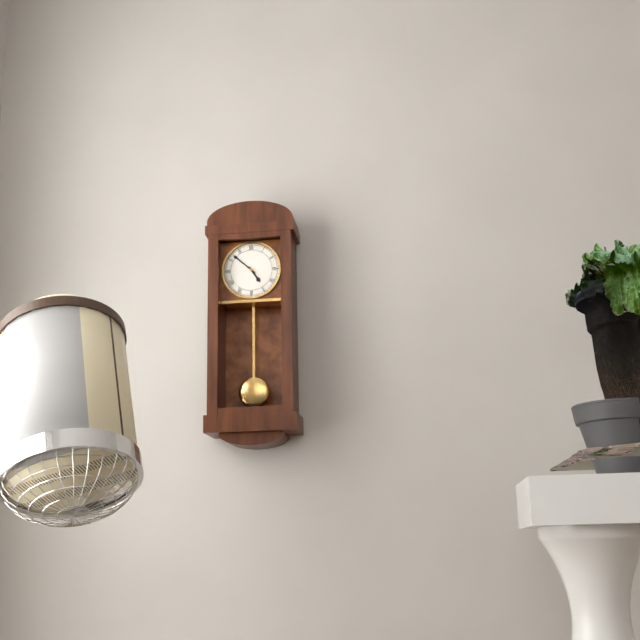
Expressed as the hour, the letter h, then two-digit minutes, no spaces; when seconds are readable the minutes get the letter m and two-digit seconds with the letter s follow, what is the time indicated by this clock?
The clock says 4h52
